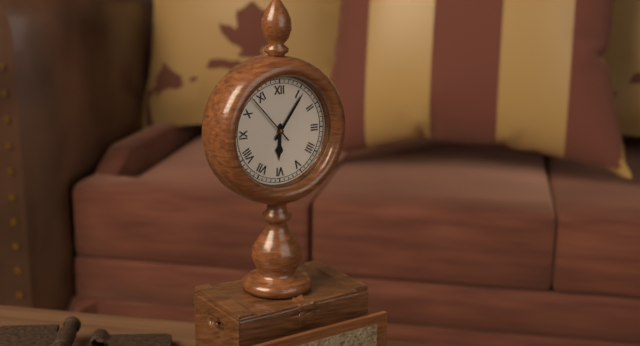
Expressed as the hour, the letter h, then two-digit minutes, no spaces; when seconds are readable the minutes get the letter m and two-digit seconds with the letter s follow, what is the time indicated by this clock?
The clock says 6h06m53s
